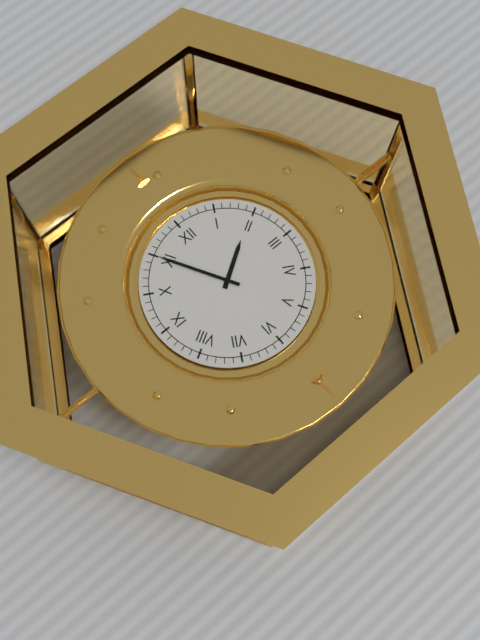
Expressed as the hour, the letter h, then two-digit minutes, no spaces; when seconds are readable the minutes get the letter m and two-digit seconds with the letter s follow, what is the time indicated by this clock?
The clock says 1h55
